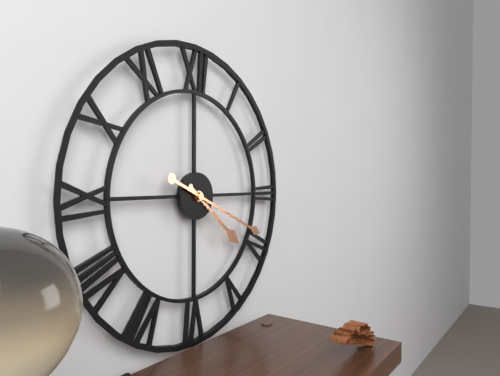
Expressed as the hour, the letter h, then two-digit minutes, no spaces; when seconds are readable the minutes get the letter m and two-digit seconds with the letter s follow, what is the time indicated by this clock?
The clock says 4h19
